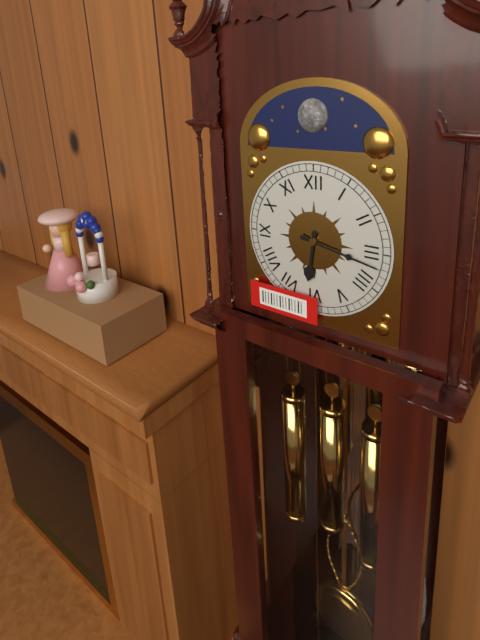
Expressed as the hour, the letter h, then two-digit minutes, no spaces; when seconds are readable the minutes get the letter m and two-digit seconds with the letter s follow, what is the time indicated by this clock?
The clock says 6h17
